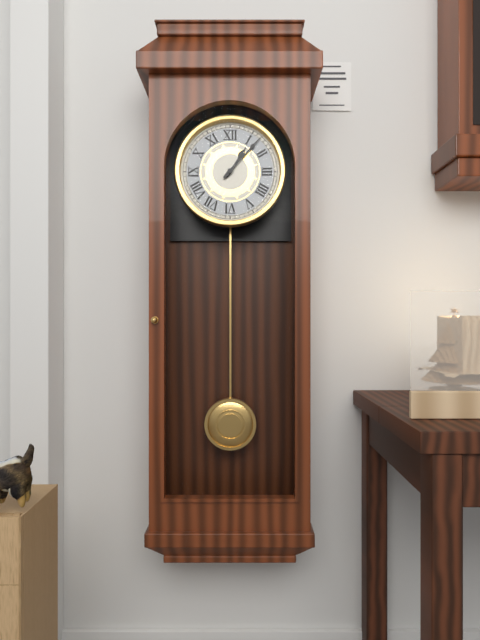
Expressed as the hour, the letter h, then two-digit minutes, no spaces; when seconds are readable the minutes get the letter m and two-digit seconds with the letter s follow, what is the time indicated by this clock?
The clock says 1h07
